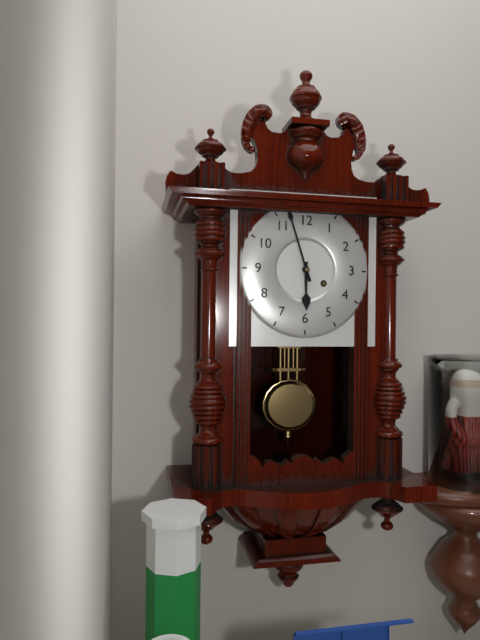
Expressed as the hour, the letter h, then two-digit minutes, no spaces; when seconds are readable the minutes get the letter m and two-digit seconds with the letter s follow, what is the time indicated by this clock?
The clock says 5h57
